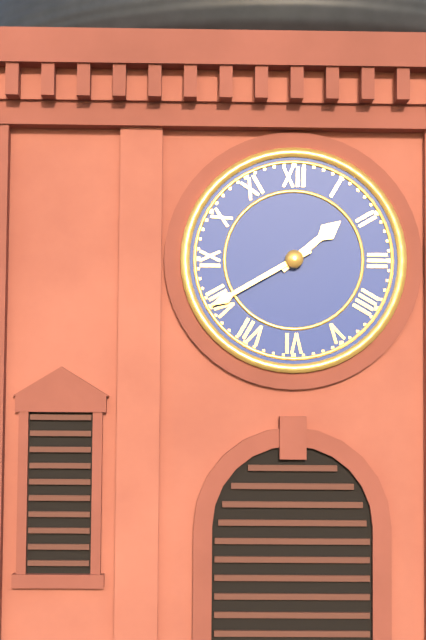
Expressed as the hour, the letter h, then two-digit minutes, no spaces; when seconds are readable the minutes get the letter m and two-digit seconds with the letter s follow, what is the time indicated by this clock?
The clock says 1h40
